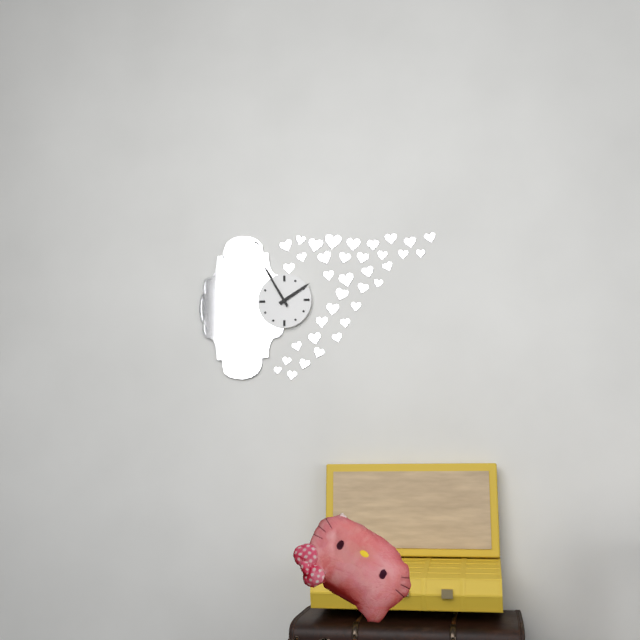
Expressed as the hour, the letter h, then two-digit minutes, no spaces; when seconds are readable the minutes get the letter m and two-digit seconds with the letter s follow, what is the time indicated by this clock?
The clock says 1h55
